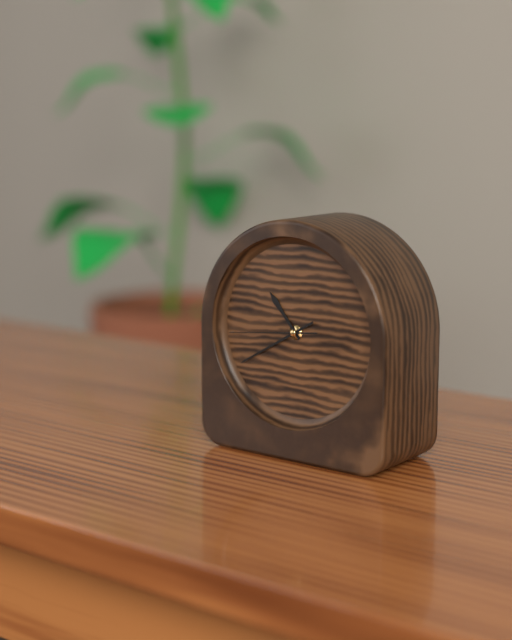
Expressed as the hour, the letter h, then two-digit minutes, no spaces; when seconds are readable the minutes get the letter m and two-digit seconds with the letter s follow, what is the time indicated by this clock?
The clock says 10h40m44s
